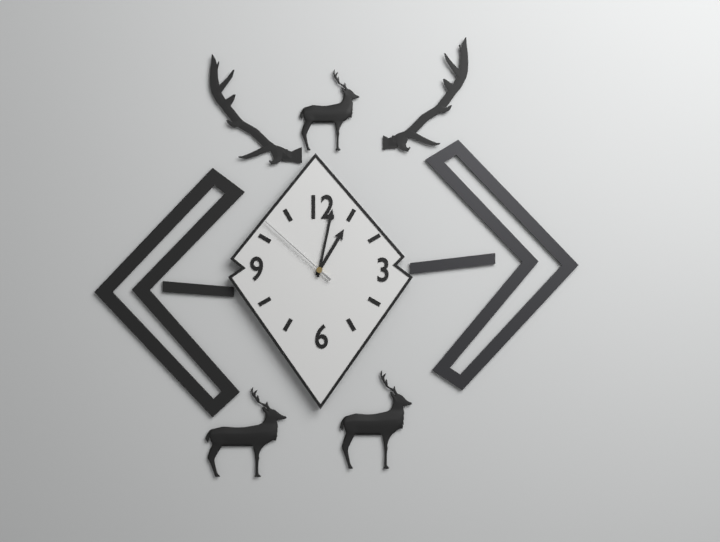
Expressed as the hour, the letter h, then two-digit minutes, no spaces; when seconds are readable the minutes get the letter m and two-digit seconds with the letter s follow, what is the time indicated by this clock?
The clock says 1h02m52s
